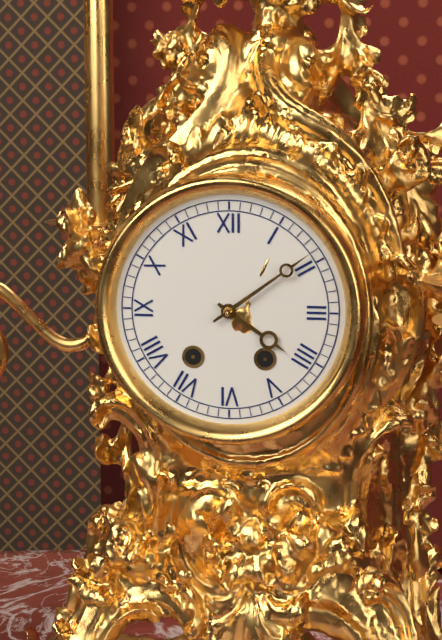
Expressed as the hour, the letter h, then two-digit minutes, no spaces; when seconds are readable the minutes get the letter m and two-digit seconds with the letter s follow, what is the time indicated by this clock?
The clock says 4h09
